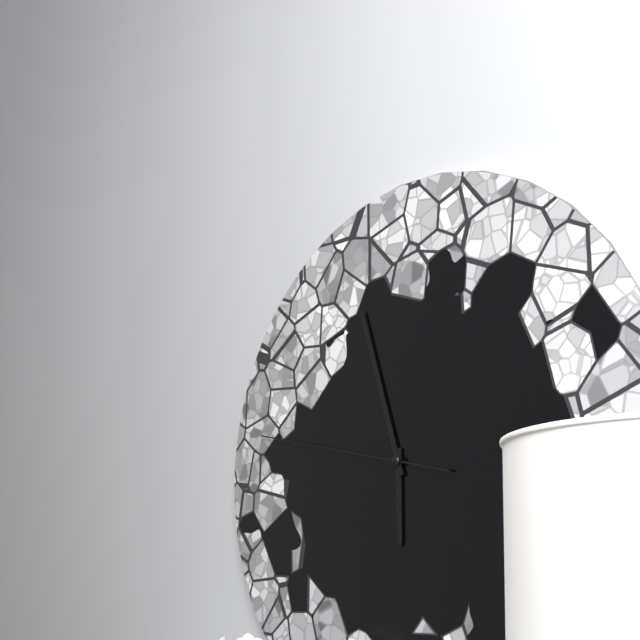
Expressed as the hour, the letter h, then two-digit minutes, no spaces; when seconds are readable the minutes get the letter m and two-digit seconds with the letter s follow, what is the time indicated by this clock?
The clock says 5h57m47s
